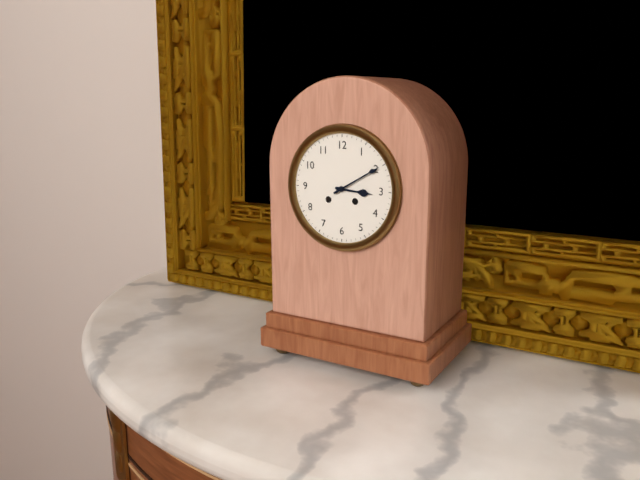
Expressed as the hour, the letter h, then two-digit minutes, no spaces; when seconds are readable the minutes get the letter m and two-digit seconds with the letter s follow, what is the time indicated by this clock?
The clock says 3h10
